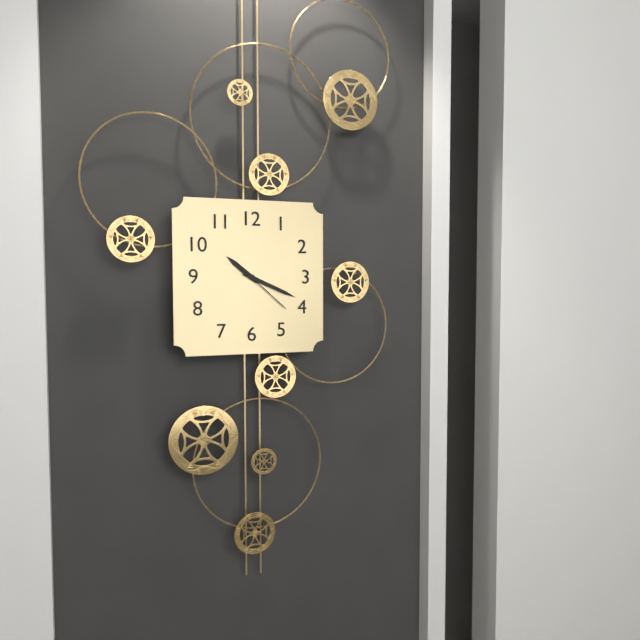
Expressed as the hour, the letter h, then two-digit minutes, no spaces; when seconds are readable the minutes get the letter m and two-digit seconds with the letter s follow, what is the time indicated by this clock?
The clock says 10h19m22s
